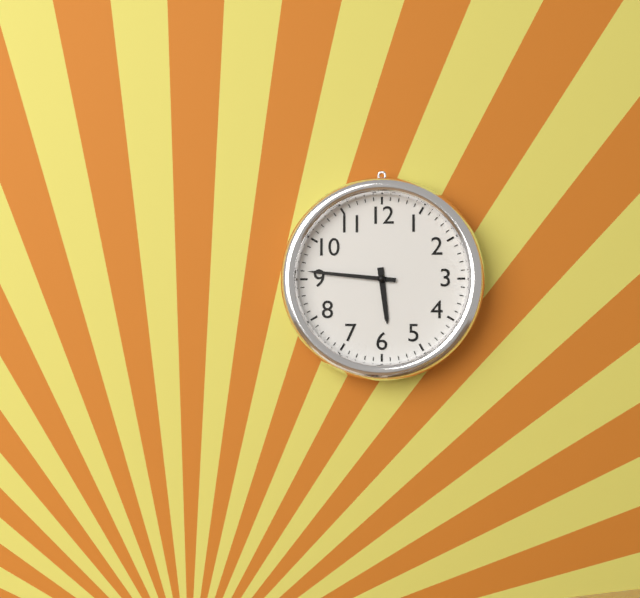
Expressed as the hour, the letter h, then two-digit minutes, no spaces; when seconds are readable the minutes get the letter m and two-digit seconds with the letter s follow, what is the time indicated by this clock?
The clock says 5h46
